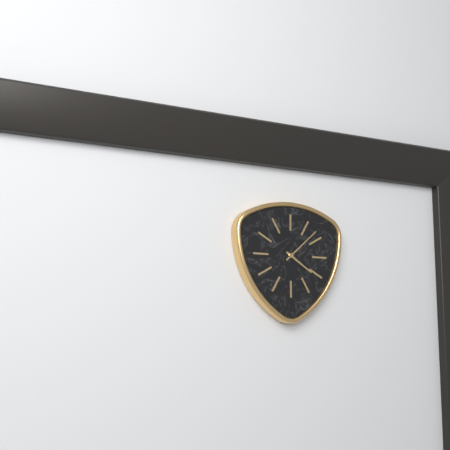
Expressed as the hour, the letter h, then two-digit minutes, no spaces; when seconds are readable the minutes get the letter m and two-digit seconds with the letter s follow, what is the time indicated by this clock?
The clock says 4h08
